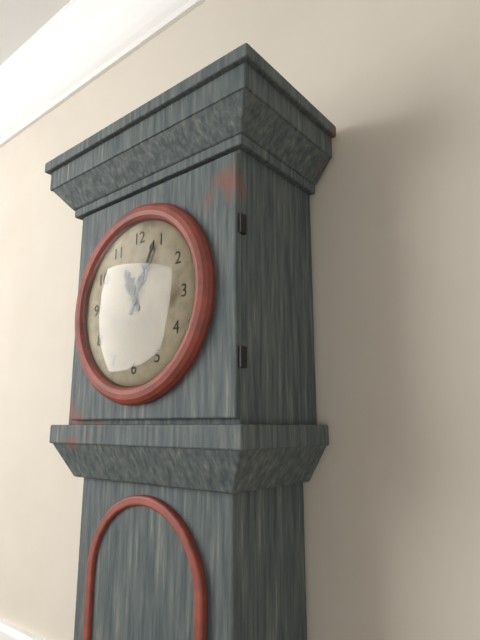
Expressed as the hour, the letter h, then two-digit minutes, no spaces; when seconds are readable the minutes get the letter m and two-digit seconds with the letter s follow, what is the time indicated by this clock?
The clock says 11h04
